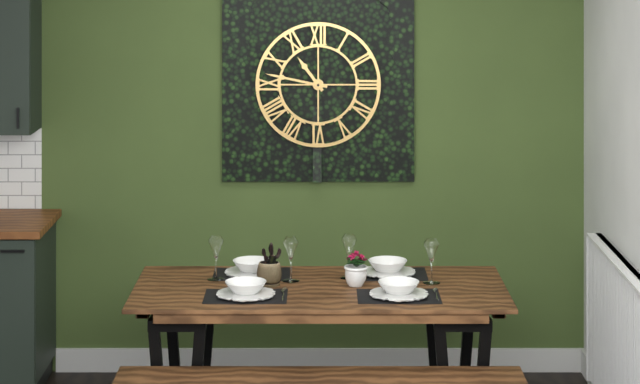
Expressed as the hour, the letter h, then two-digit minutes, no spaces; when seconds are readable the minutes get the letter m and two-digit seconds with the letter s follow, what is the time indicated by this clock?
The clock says 10h47
